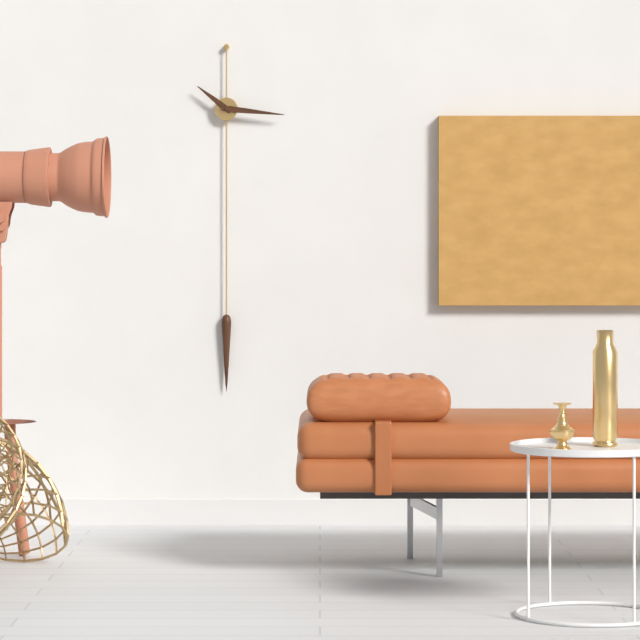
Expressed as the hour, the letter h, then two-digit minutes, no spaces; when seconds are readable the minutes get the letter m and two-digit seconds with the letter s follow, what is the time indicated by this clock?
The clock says 10h16
